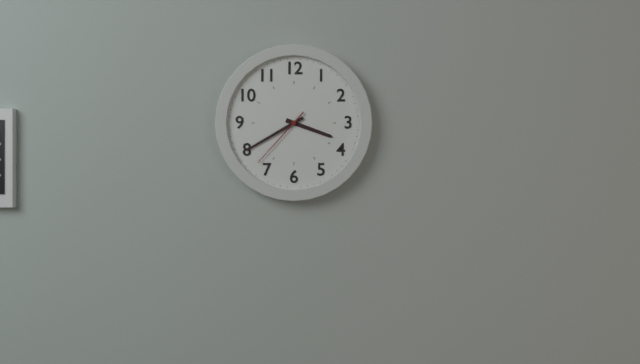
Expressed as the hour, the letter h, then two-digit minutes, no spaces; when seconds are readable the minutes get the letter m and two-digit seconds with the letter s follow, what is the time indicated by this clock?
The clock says 3h40m37s
